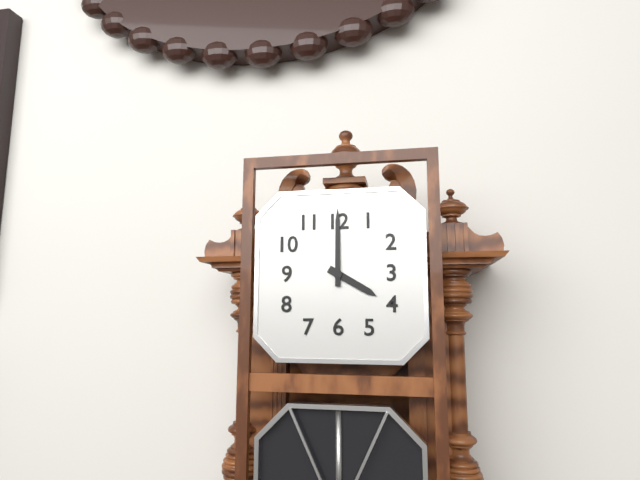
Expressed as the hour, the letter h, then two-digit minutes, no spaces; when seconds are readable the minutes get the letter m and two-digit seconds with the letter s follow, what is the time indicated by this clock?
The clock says 4h00
